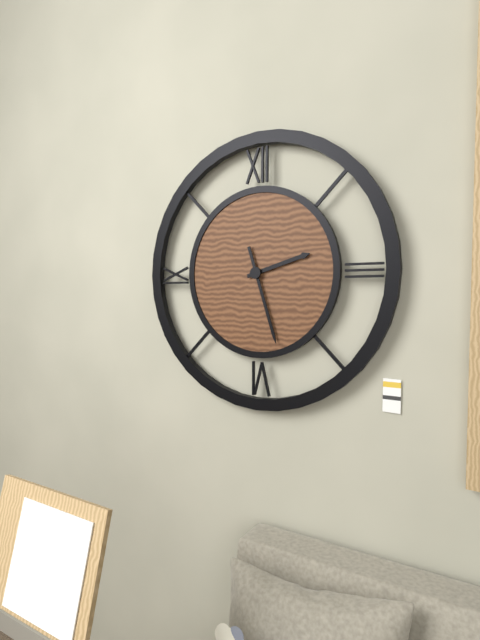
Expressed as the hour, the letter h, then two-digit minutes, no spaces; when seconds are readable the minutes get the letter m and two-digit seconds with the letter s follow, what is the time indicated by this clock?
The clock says 2h27
